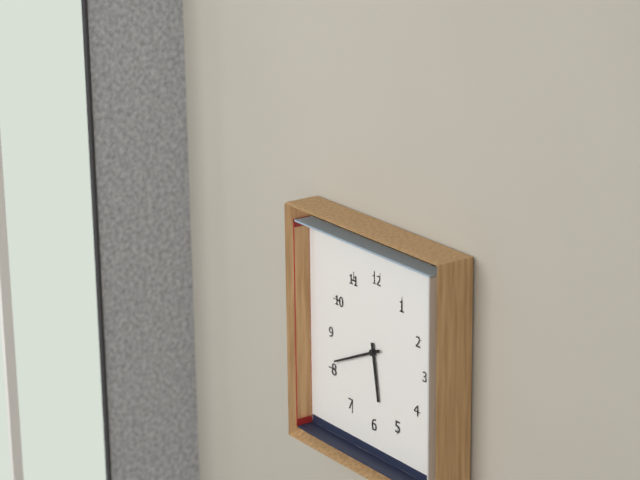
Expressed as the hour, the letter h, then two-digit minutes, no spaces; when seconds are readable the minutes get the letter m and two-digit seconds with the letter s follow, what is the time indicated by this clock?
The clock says 5h41
